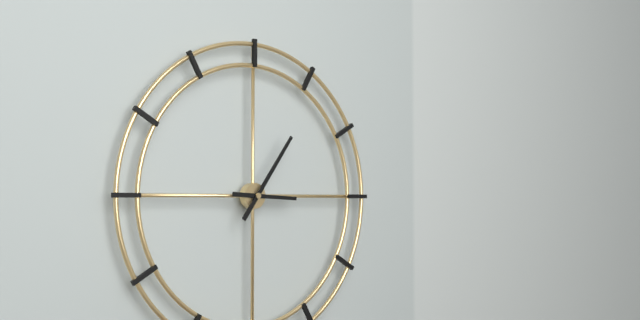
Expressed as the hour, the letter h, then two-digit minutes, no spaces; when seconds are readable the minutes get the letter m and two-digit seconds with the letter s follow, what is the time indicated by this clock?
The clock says 3h06
